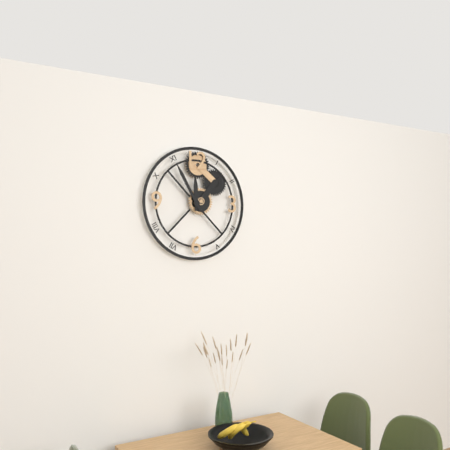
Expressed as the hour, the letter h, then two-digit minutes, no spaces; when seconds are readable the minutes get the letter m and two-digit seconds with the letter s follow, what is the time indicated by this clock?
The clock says 11h55
